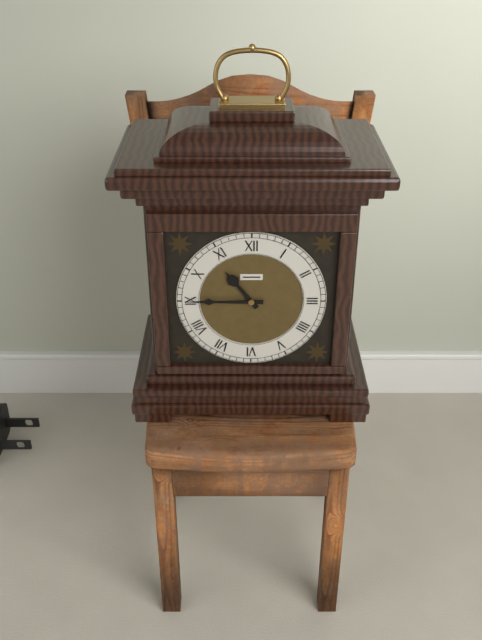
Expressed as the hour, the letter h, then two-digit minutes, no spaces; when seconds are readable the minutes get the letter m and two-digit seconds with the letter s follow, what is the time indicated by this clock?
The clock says 10h45
